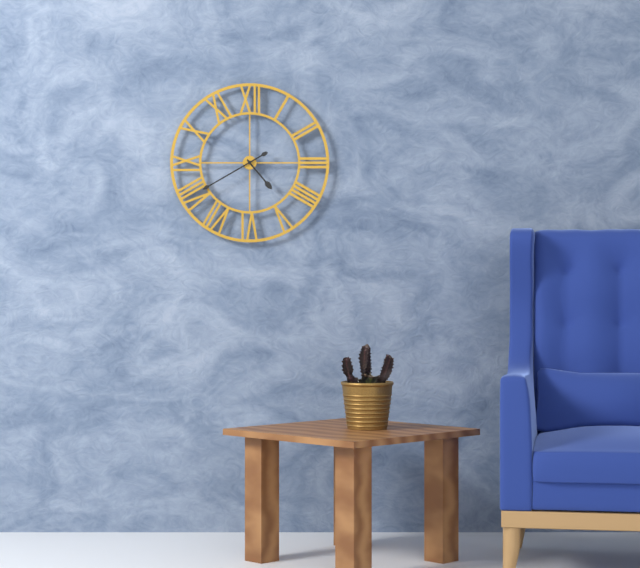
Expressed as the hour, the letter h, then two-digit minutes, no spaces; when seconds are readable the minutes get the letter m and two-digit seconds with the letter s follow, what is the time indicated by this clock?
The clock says 4h40
